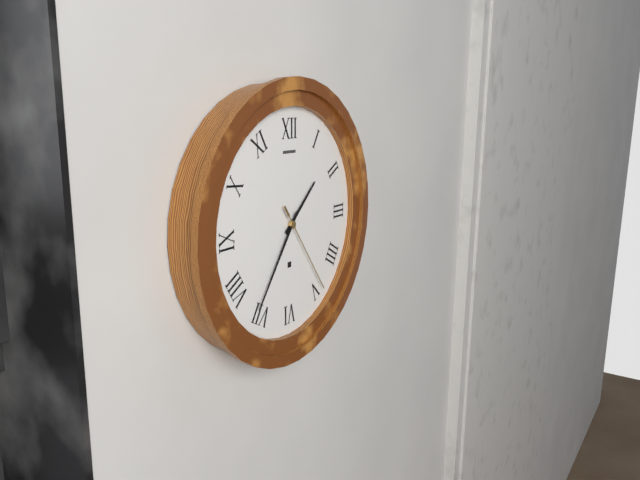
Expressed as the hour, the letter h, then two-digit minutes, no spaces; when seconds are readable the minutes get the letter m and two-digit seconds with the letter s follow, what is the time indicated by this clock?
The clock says 1h36m24s
